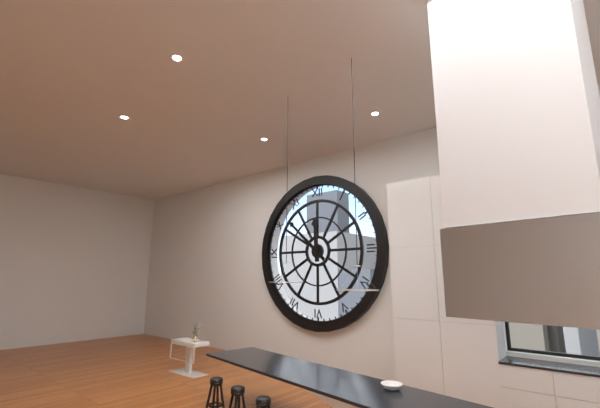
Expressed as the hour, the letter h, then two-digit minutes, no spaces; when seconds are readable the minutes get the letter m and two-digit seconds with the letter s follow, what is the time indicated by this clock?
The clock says 11h52
